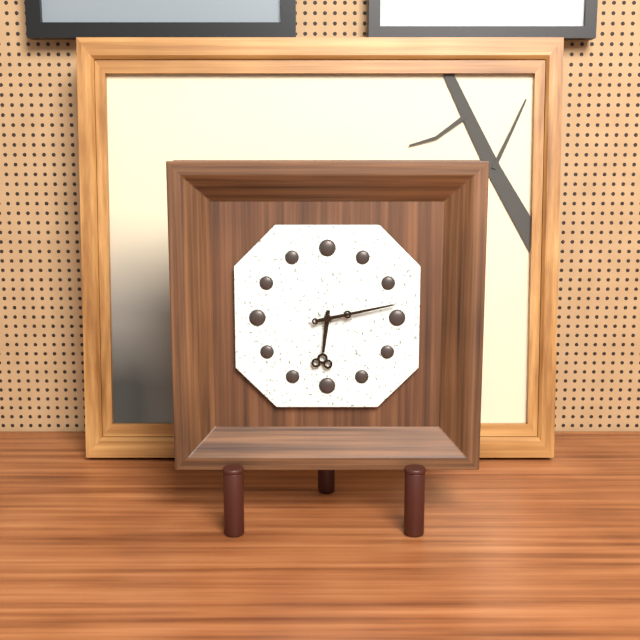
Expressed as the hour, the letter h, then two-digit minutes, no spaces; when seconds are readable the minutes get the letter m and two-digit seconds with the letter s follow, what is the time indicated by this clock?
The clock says 6h13
